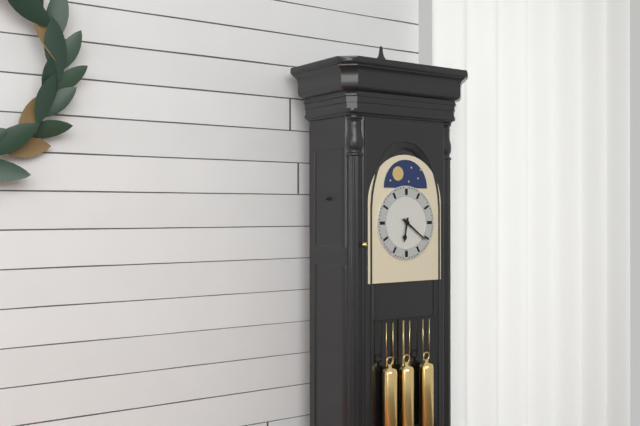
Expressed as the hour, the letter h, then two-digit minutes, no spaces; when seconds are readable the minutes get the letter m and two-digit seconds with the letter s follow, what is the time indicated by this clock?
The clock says 6h21
